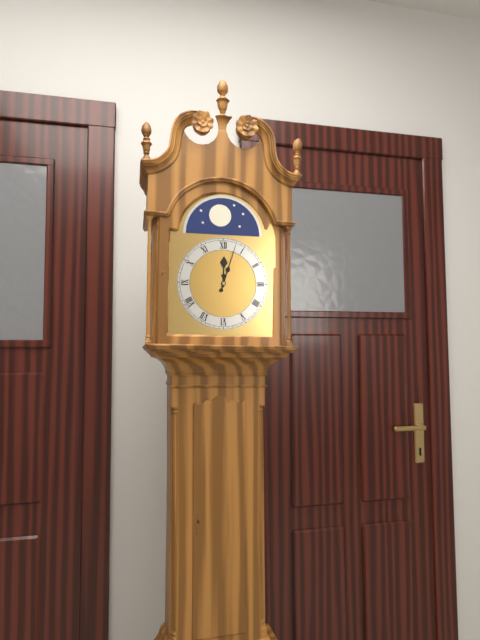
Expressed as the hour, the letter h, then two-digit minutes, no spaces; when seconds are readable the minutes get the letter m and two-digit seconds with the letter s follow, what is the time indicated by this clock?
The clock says 12h03
